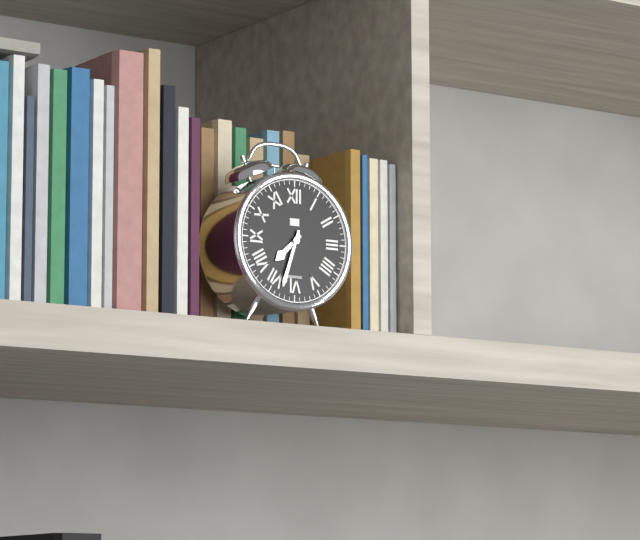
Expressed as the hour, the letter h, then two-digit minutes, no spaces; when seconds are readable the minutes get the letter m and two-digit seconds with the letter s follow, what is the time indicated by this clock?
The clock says 7h33
